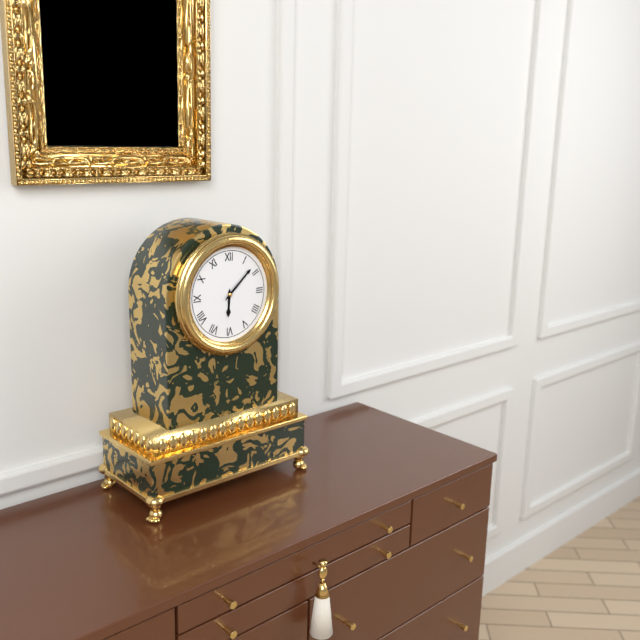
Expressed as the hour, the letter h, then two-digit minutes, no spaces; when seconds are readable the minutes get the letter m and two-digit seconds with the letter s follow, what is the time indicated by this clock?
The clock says 6h08
